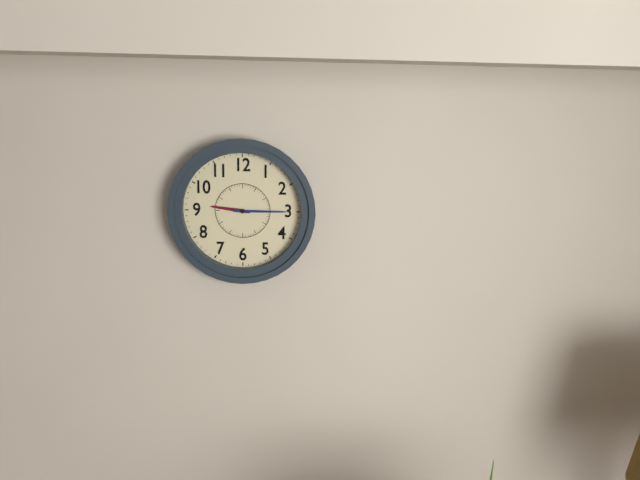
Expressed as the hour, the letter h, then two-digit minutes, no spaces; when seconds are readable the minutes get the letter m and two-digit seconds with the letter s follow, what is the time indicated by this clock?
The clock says 9h15
